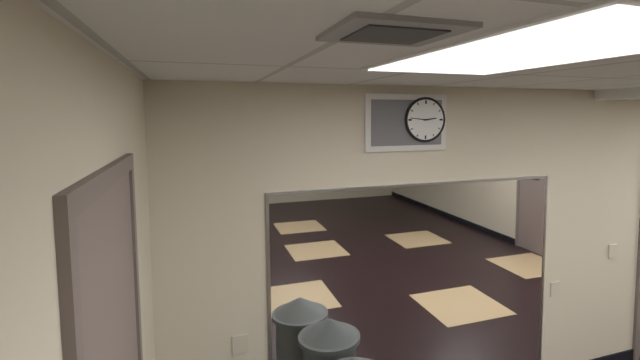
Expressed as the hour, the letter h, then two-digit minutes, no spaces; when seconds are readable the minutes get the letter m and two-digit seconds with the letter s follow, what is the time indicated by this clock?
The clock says 2h46
